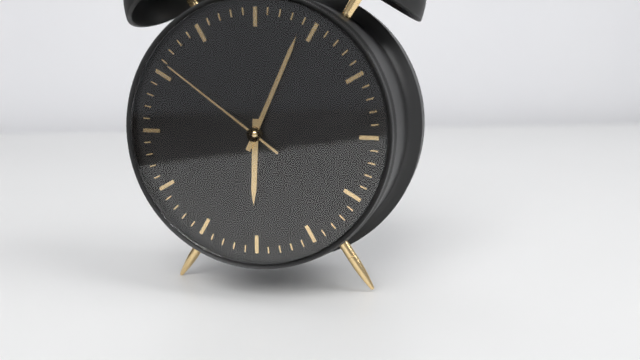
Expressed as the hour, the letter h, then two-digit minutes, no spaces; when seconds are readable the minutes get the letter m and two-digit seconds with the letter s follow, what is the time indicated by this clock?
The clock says 6h04m51s
